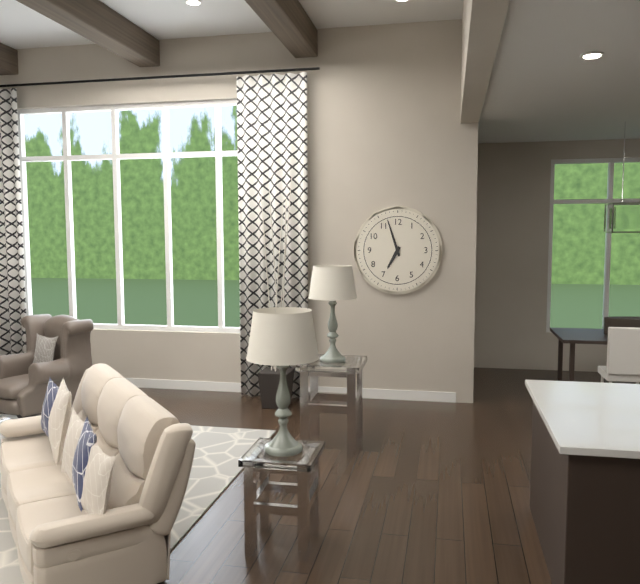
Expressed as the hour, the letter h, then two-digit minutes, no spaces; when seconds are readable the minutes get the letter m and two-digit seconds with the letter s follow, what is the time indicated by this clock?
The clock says 6h57
